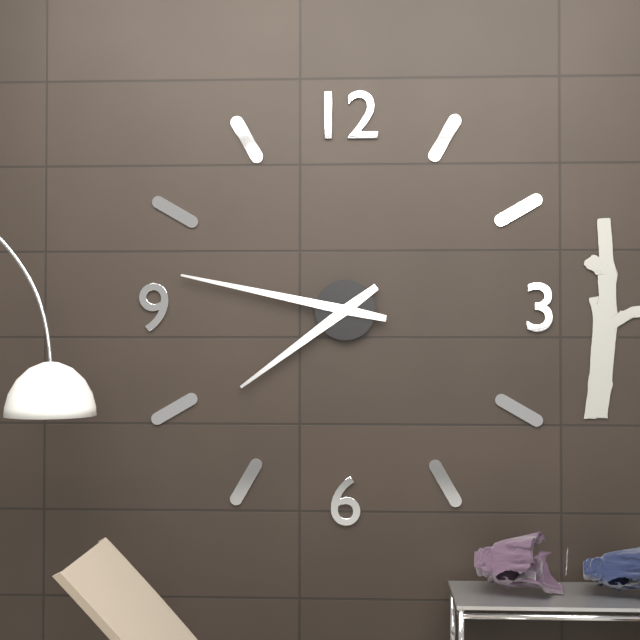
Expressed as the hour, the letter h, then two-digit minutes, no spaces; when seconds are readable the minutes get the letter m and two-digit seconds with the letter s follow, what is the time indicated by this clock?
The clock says 7h47
